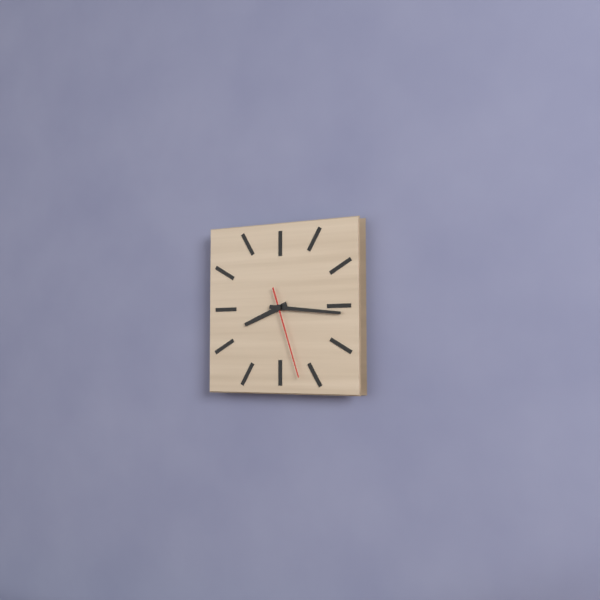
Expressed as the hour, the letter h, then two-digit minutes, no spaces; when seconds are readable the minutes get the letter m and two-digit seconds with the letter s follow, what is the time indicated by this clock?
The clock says 8h16m27s
